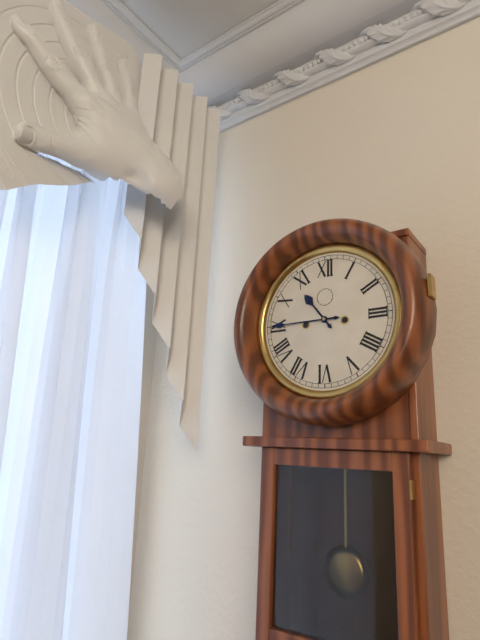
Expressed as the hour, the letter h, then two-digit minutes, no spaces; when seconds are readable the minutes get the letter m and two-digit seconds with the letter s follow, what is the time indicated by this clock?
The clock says 10h45
